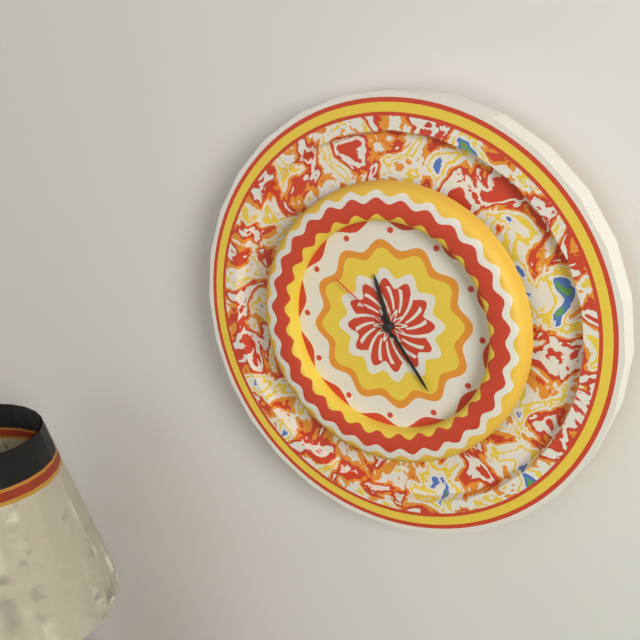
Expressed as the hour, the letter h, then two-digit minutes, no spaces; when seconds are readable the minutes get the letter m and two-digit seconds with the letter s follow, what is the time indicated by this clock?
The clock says 11h24m51s
